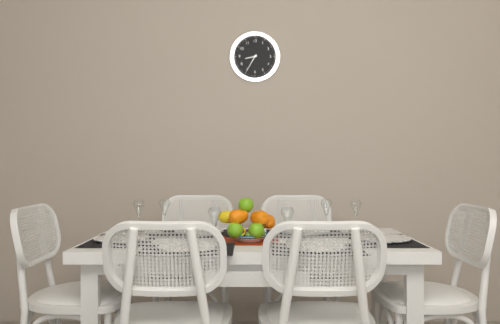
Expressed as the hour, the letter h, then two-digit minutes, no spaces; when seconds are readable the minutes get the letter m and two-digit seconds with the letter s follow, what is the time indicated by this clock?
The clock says 8h35
